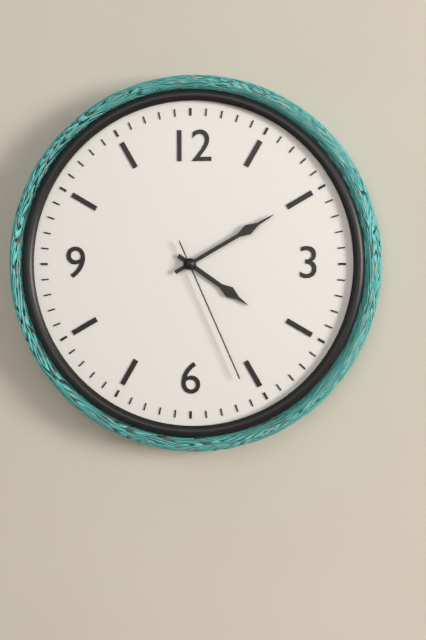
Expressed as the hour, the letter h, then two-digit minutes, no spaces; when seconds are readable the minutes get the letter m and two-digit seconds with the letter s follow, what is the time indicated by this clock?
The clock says 4h10m26s
